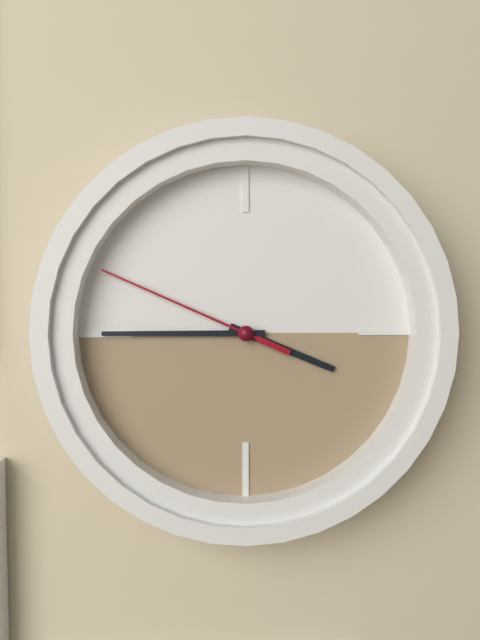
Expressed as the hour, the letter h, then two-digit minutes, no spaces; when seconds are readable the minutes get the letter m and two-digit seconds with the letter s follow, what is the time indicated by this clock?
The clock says 3h45m49s
